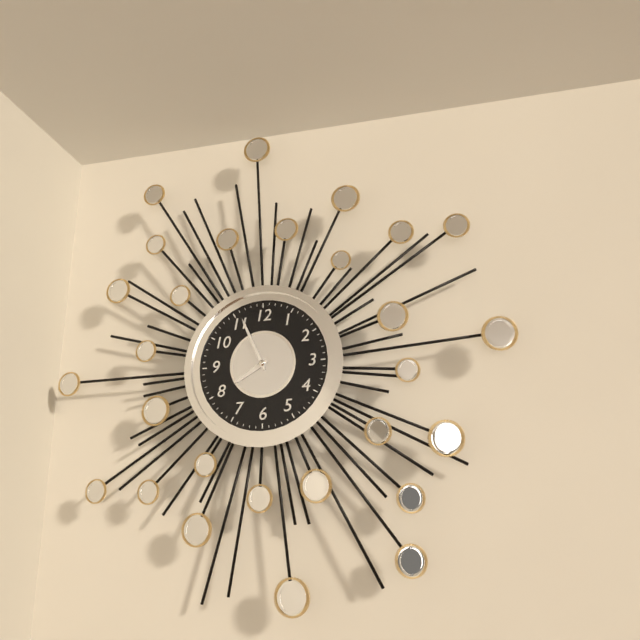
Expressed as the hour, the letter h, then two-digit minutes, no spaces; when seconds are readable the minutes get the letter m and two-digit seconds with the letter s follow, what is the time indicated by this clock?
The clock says 7h56
